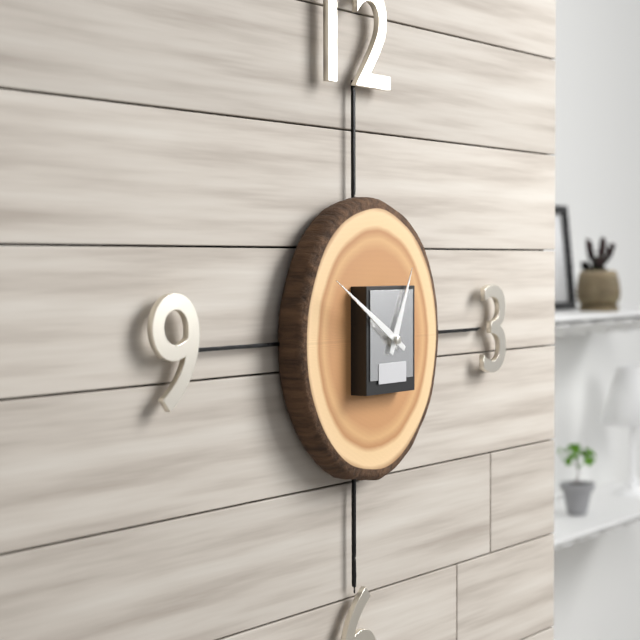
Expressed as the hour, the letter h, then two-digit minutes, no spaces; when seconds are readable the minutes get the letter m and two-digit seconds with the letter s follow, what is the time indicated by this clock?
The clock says 12h50
